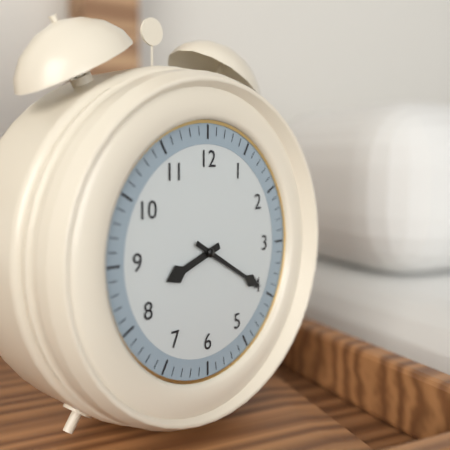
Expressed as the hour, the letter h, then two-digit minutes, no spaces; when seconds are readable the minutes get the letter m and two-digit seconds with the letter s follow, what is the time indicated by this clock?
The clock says 8h20
